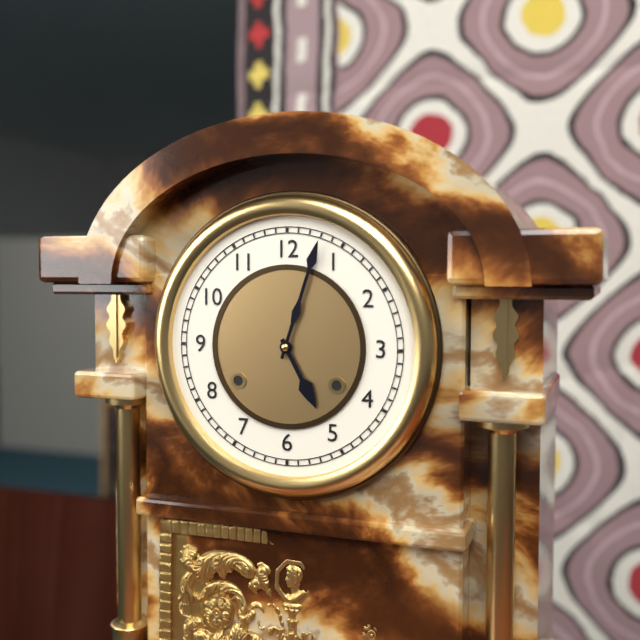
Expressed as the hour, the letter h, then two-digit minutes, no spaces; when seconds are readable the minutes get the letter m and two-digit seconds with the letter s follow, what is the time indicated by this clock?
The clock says 5h03
